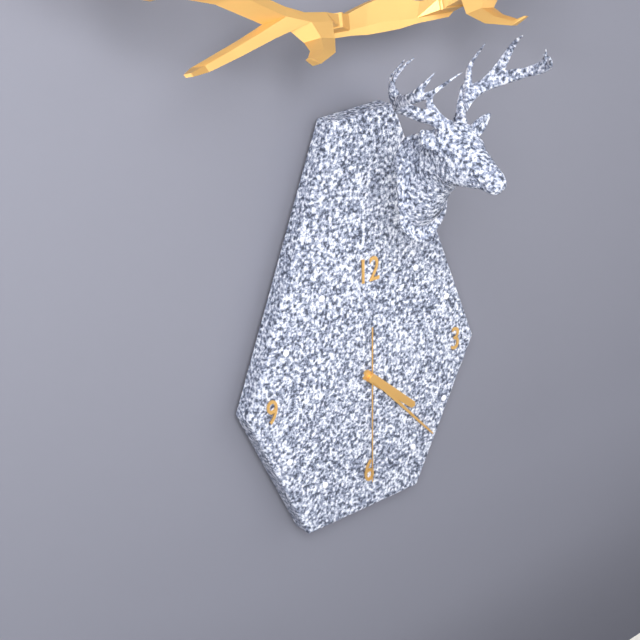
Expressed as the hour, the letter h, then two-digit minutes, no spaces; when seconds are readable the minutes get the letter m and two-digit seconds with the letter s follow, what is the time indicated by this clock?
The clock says 4h23m30s
